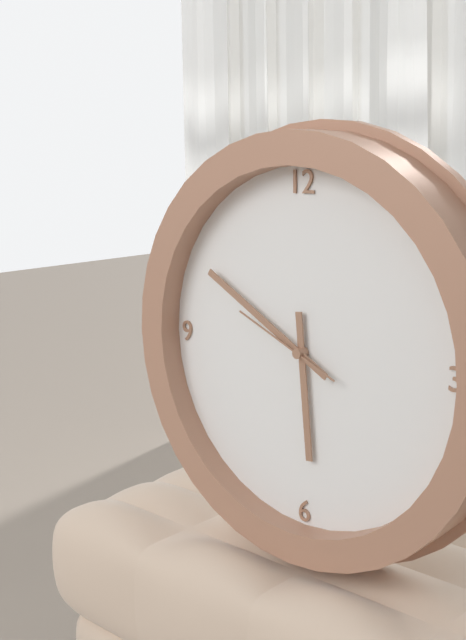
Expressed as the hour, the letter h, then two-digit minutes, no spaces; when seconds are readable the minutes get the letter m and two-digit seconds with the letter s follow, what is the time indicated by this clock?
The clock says 5h50m49s
